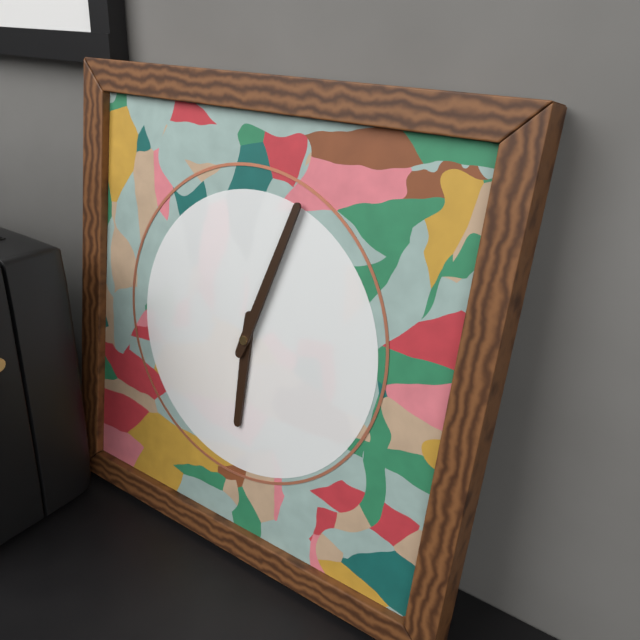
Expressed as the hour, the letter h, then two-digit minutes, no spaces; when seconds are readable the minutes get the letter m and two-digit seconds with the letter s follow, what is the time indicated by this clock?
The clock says 6h03
